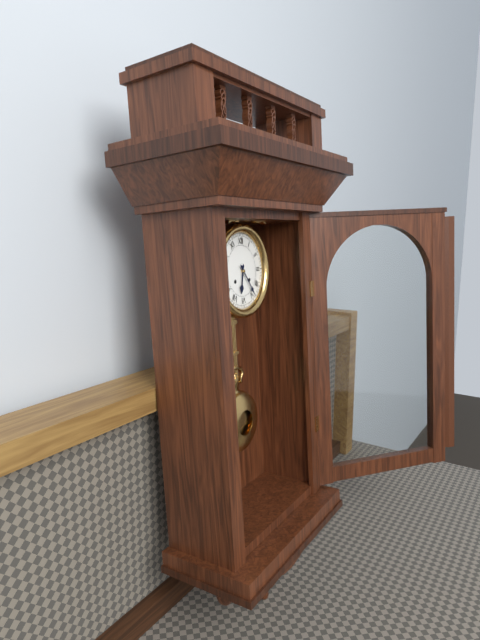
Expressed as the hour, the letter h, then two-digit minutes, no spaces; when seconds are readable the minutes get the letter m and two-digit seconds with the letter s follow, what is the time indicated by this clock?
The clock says 6h24
